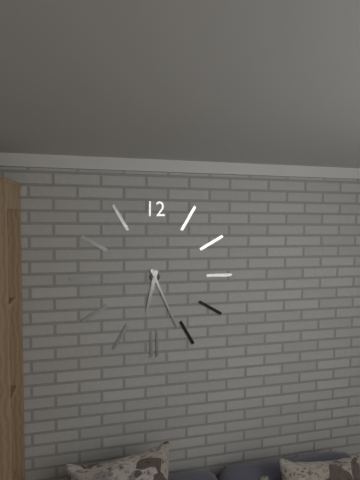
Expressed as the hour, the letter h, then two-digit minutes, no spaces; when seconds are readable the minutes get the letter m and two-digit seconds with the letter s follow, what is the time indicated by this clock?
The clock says 6h26
